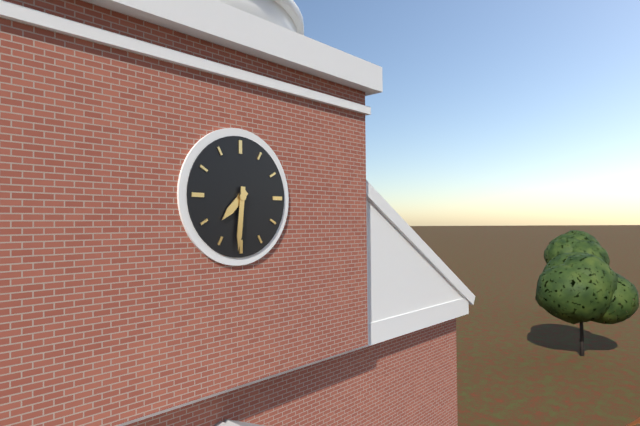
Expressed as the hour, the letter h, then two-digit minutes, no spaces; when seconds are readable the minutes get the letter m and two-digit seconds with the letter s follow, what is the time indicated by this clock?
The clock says 7h31
